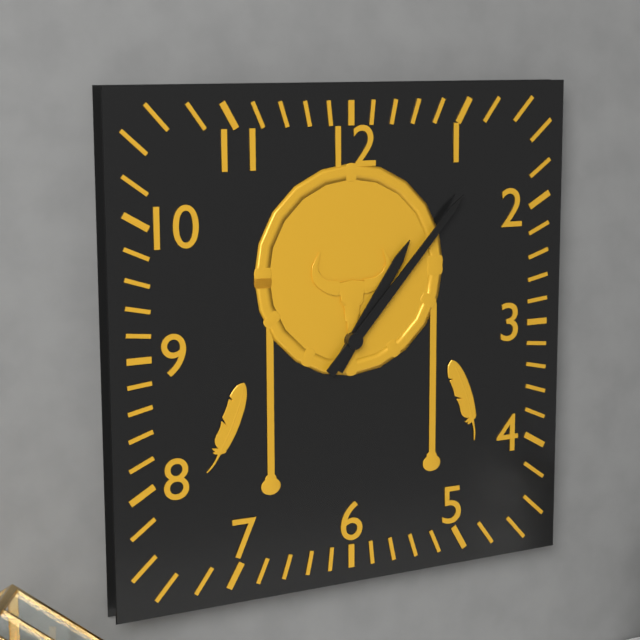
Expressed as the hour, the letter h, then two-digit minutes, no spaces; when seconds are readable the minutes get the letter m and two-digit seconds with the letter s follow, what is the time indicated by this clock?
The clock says 1h07
